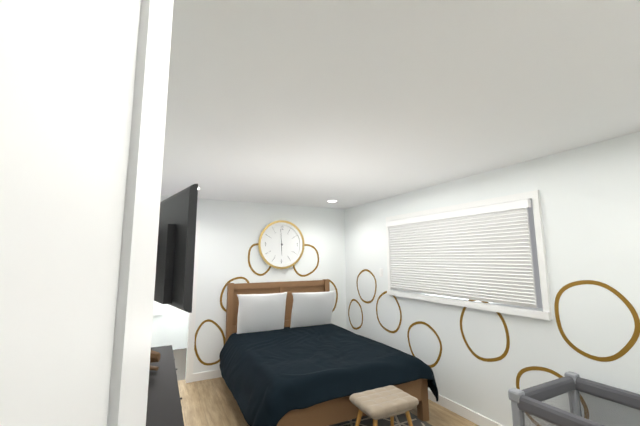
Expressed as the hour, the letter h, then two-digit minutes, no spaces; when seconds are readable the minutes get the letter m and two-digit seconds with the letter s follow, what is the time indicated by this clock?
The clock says 5h59
